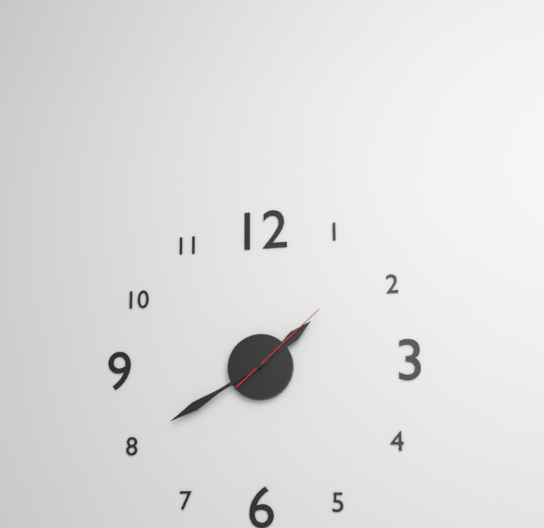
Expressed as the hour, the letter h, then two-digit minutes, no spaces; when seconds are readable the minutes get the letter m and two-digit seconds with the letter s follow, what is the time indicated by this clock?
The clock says 1h40m08s
